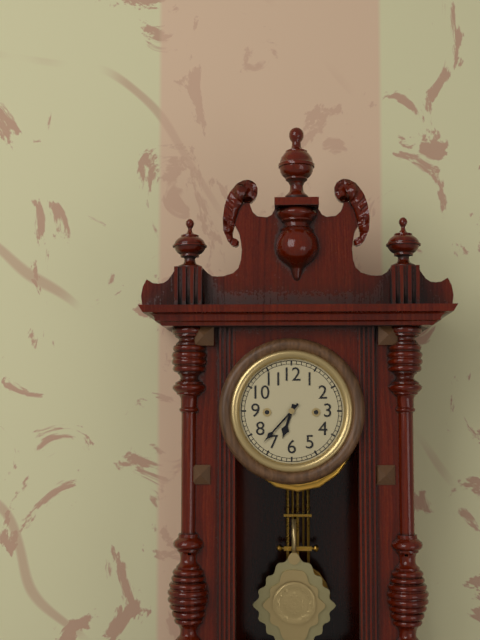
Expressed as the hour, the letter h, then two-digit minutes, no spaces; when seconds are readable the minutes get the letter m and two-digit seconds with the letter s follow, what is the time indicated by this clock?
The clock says 6h37
